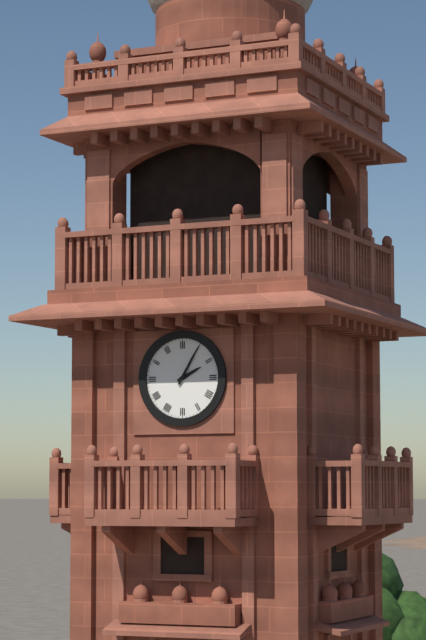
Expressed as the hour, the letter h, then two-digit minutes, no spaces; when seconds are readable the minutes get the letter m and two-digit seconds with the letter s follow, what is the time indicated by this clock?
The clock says 2h05
